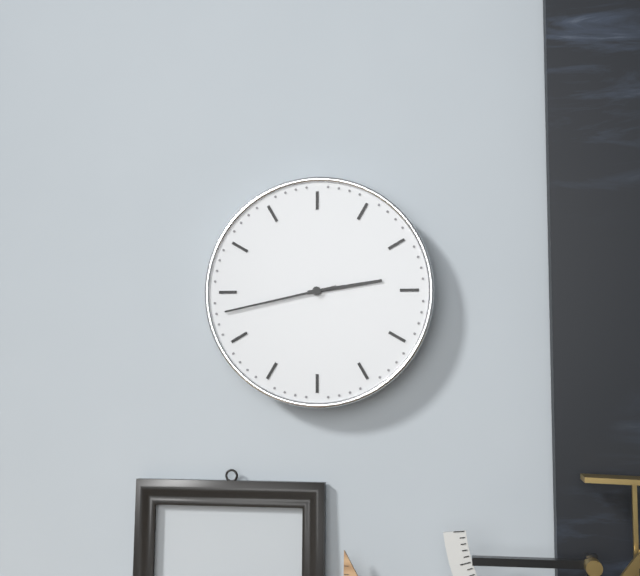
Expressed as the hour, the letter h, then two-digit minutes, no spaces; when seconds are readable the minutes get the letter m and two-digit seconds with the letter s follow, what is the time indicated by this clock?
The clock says 2h43
